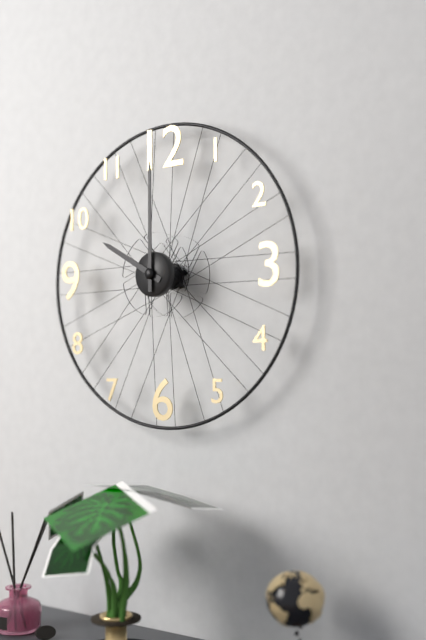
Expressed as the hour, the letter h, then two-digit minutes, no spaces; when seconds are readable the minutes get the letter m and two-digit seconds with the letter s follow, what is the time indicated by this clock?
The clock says 10h00
